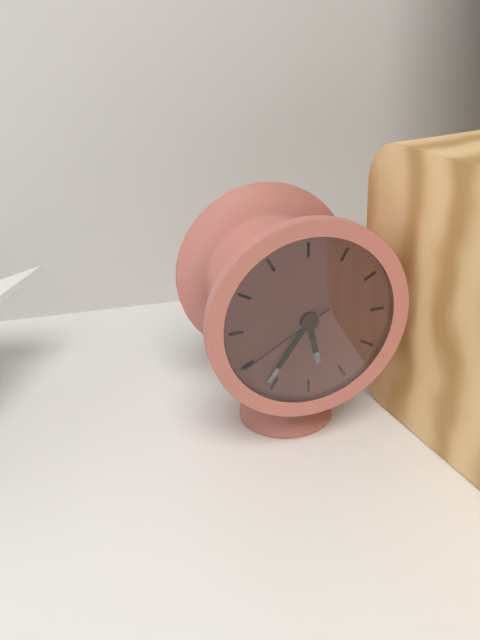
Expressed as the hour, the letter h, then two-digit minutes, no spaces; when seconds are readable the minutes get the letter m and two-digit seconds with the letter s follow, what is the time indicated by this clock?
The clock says 5h36m40s
